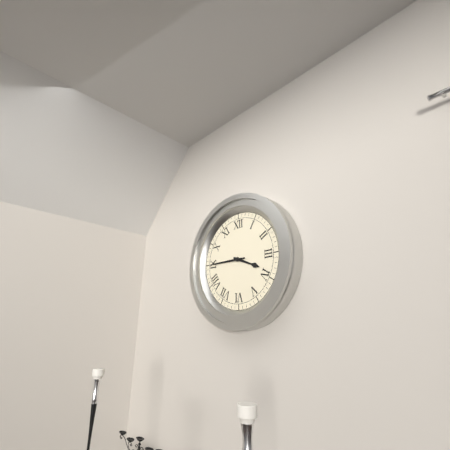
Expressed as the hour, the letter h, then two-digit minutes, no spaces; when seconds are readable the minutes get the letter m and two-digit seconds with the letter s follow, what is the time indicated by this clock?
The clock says 3h45
